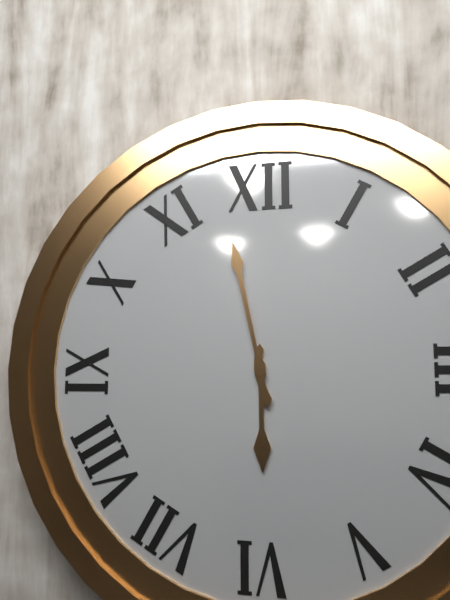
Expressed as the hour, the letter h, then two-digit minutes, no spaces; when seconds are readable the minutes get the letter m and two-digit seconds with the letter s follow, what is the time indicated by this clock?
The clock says 5h58
